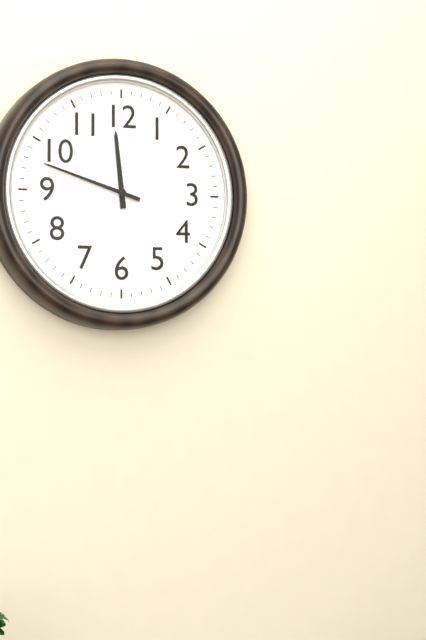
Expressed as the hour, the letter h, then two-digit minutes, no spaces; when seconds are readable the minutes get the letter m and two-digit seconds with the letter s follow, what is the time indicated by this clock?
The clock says 11h48
